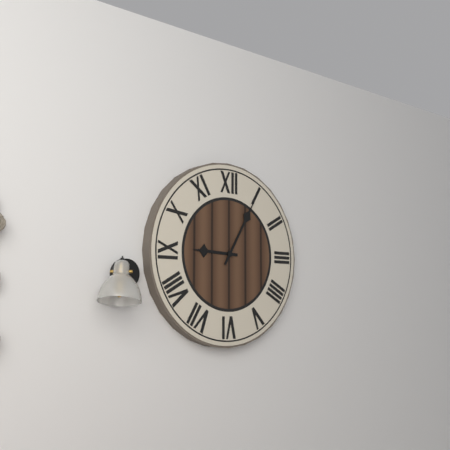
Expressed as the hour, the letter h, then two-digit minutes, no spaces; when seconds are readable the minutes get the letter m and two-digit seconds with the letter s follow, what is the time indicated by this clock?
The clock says 9h05
